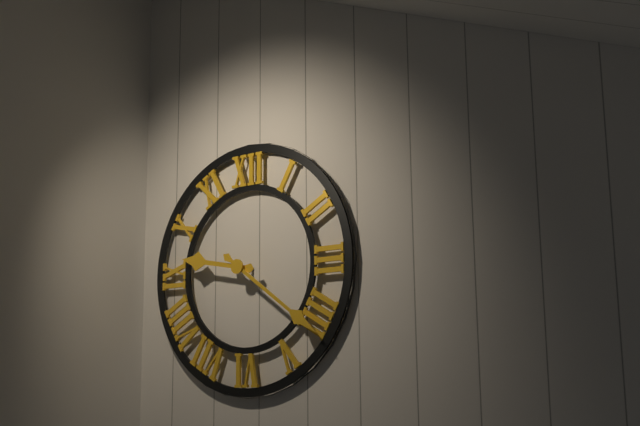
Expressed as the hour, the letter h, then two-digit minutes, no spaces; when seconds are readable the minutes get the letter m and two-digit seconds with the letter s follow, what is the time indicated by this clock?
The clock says 9h21
